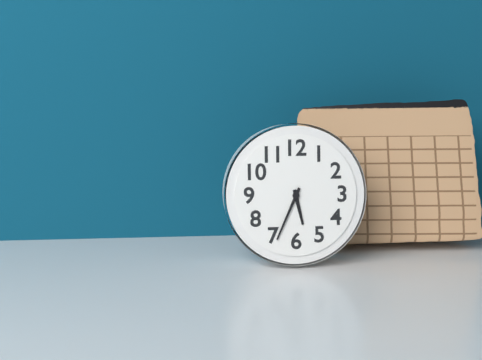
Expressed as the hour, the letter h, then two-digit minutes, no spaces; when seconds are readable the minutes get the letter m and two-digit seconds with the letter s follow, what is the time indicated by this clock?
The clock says 5h34
